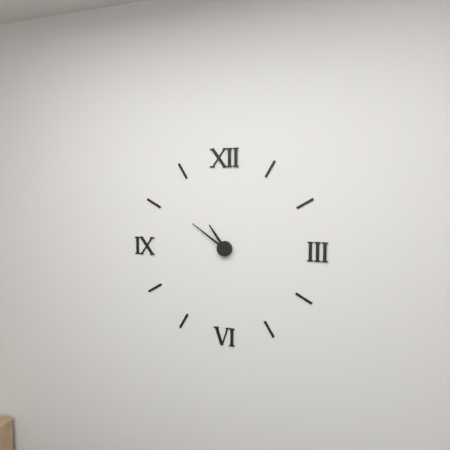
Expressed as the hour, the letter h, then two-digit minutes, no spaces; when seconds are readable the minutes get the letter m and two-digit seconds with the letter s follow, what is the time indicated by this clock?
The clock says 10h51
